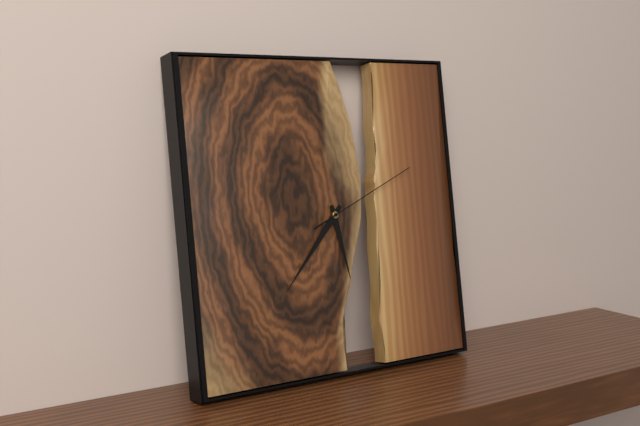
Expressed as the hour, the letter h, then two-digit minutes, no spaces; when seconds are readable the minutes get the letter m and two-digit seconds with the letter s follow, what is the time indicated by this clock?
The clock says 5h37m11s
